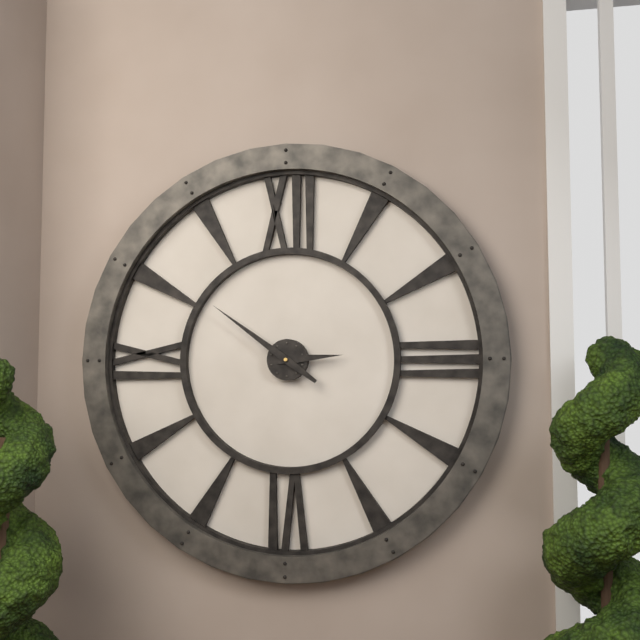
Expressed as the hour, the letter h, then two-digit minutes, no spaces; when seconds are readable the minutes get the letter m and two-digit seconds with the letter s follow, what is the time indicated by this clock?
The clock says 2h51
